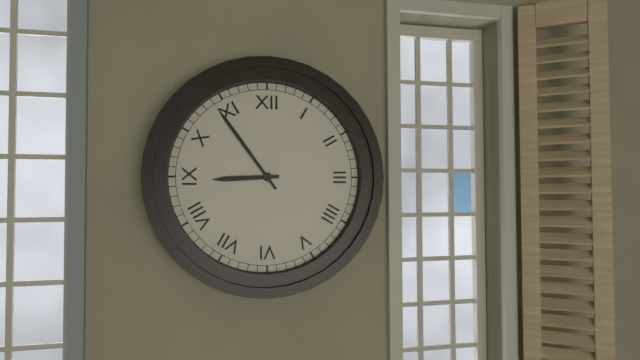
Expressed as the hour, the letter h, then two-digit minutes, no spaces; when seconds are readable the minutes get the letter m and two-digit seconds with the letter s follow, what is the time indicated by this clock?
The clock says 8h54
